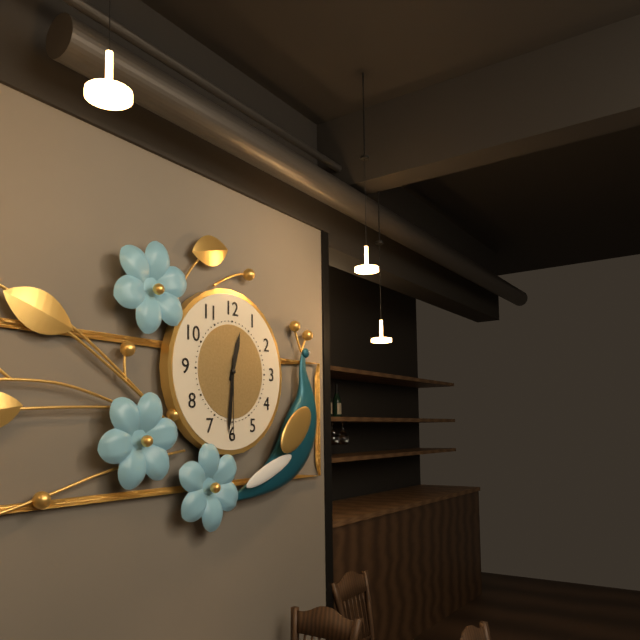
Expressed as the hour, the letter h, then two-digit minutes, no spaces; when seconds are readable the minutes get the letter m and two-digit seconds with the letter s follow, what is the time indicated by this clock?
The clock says 12h31m30s
